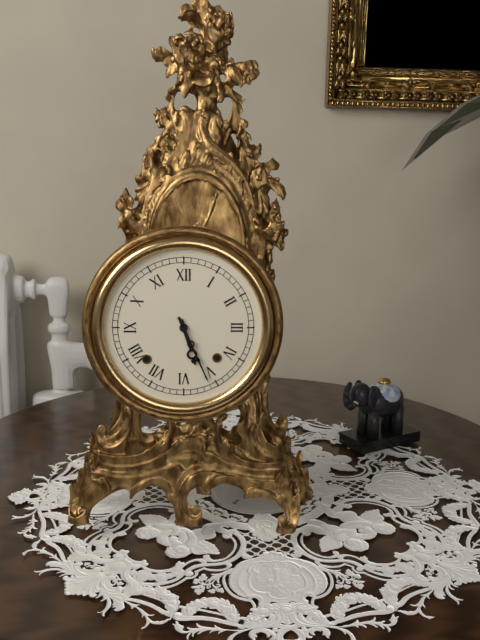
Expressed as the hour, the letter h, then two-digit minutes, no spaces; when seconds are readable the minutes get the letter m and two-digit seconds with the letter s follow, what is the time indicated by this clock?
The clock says 5h26
